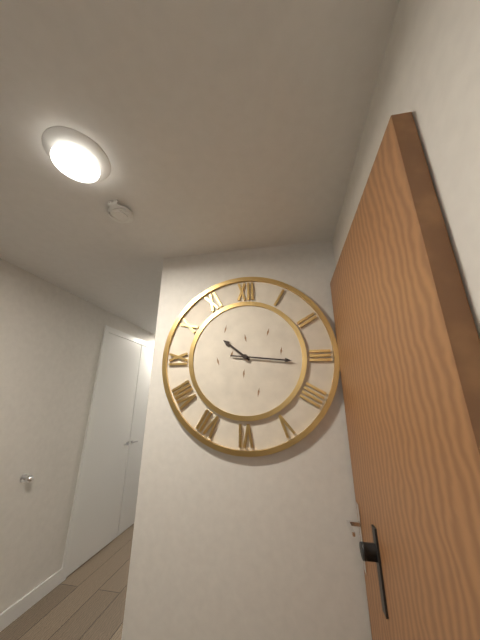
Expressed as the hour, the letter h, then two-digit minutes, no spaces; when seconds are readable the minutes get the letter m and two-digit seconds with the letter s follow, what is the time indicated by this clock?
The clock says 10h16
